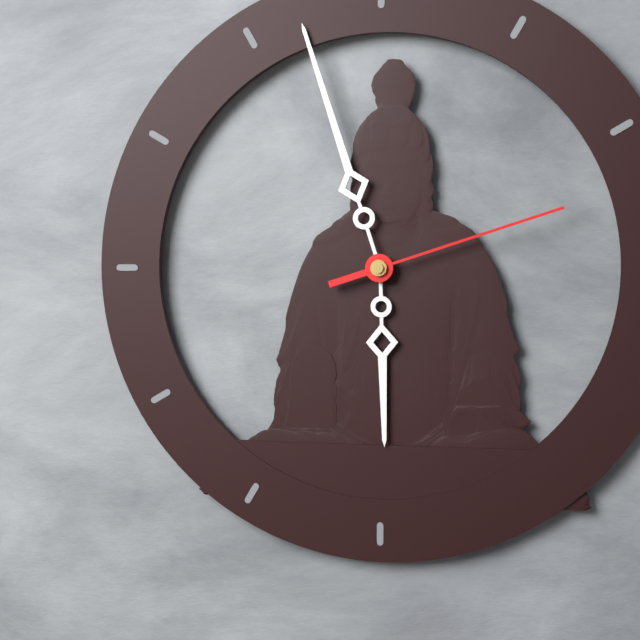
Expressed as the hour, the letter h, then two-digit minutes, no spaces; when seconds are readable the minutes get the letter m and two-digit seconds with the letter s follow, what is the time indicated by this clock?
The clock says 5h57m12s
